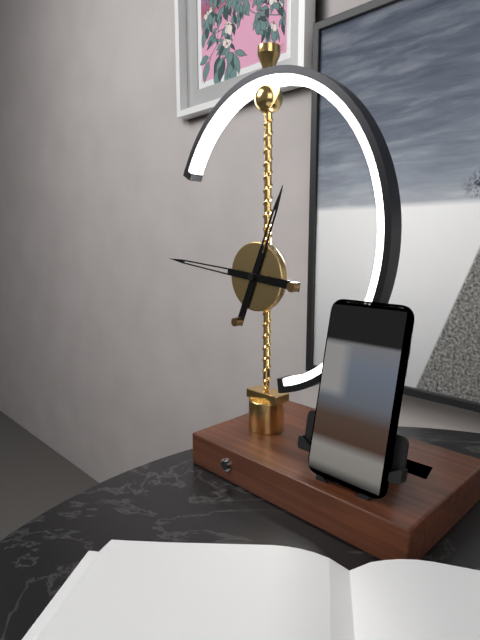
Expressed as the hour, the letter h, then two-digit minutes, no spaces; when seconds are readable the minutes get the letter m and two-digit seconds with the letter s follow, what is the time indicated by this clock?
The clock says 12h46
